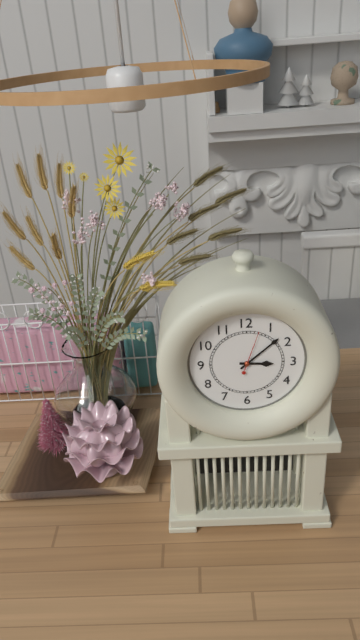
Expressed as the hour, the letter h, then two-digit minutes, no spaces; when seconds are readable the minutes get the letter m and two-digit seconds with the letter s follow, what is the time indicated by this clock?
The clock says 3h08
